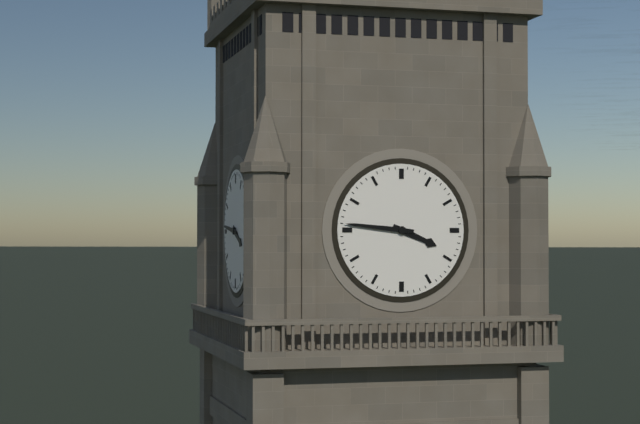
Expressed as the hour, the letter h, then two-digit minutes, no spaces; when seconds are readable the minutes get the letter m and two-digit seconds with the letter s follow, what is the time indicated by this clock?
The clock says 3h46
